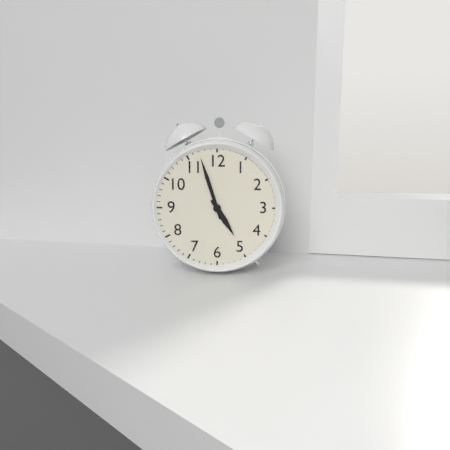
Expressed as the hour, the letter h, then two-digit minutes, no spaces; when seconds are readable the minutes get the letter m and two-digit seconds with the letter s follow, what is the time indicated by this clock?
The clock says 4h57
